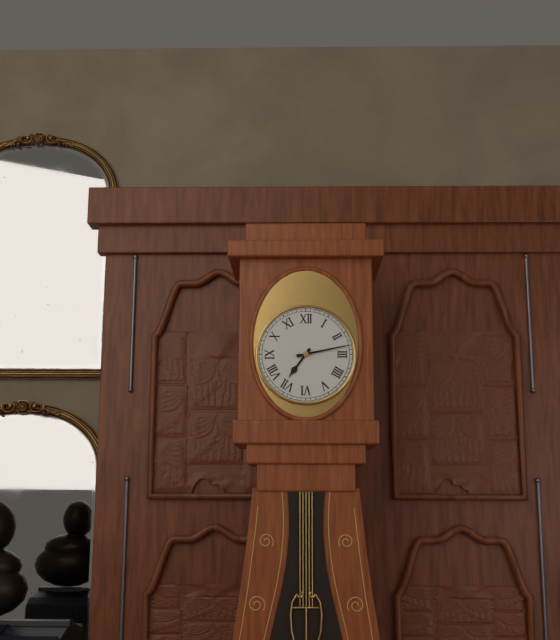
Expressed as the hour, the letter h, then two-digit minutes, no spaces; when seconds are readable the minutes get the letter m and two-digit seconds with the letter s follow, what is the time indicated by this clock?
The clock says 7h13
